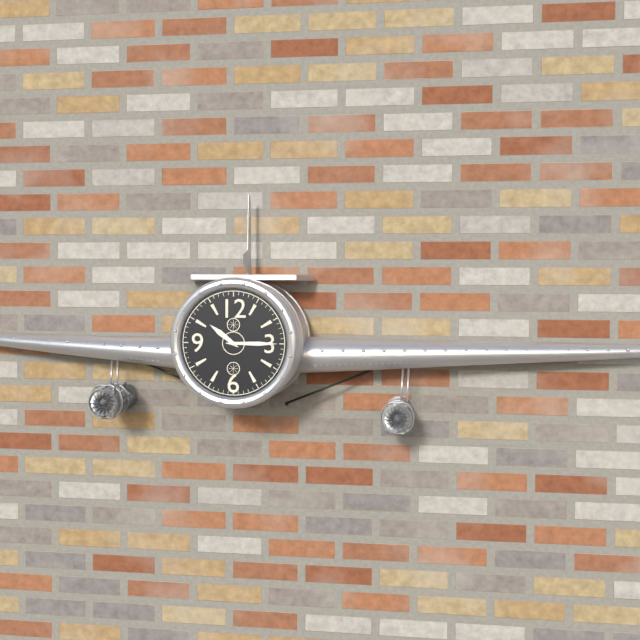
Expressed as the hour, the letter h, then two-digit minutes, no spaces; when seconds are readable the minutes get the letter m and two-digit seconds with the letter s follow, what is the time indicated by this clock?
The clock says 10h15
